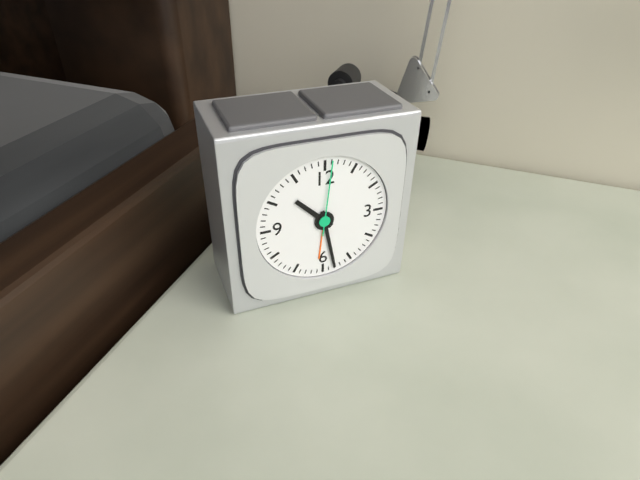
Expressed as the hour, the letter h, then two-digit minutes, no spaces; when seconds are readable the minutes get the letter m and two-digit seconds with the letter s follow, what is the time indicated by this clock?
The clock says 10h28m01s
